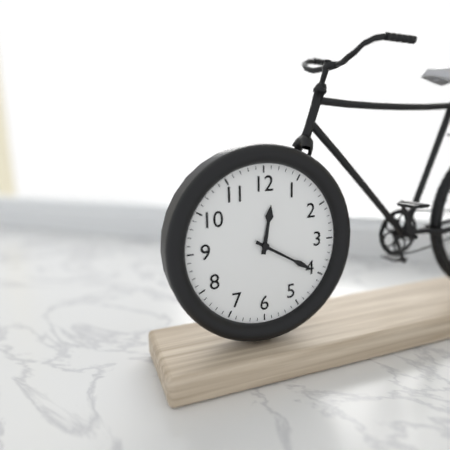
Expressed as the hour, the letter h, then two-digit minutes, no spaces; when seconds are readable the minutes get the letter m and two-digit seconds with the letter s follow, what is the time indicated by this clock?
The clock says 12h20
